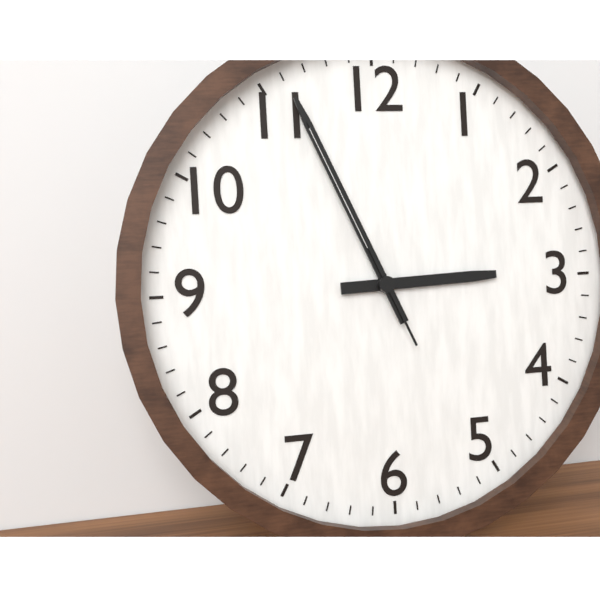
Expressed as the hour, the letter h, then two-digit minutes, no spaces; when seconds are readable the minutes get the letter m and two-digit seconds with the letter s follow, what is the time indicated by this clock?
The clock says 2h56m56s
